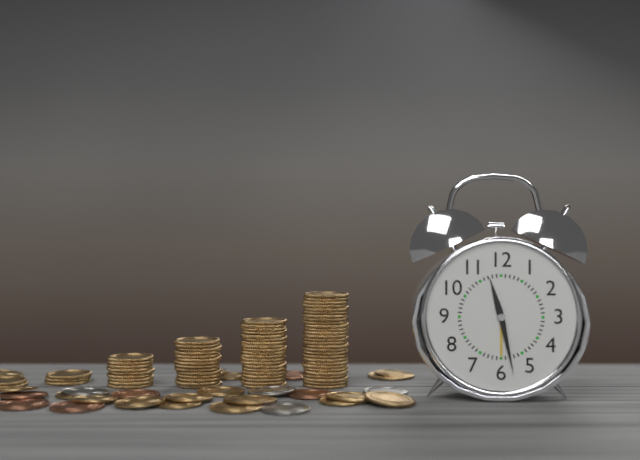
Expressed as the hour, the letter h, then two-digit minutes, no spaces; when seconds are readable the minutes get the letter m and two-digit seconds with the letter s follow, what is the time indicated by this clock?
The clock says 11h28
